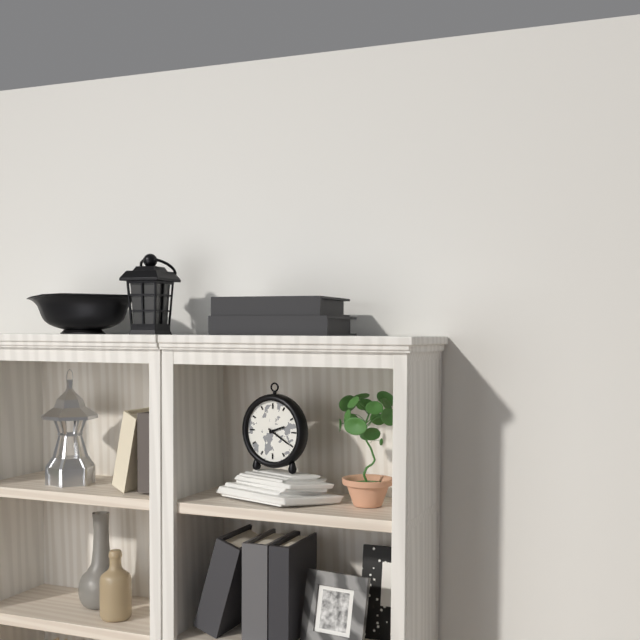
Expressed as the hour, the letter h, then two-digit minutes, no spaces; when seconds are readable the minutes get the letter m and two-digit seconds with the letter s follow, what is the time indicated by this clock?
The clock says 2h20
